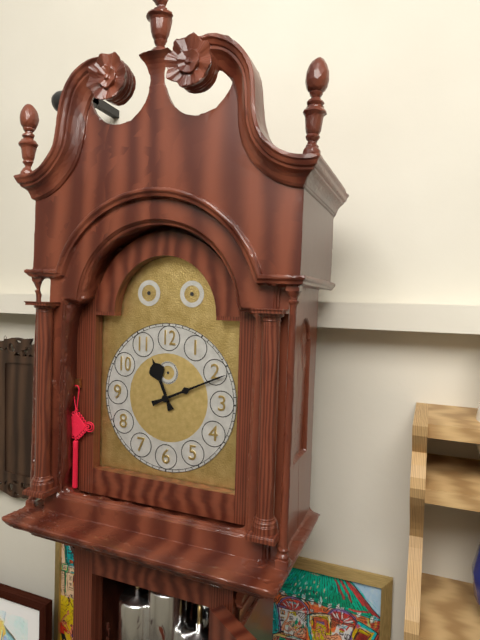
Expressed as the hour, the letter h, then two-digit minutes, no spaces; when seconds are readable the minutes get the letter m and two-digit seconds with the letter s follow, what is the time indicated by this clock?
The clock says 11h11
